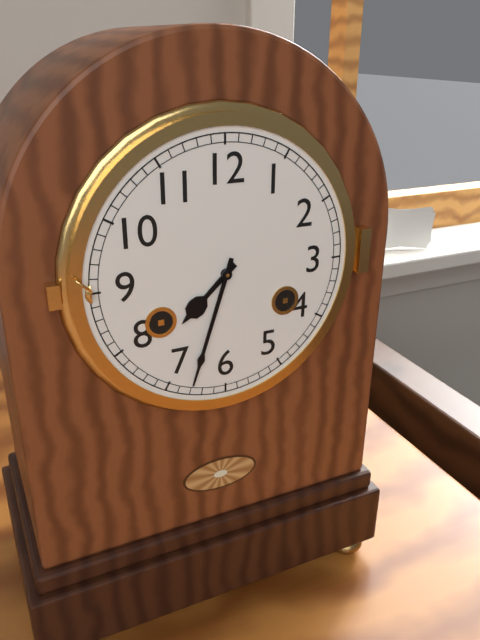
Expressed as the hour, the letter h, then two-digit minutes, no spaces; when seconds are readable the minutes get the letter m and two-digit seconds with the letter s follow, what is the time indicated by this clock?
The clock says 7h33
